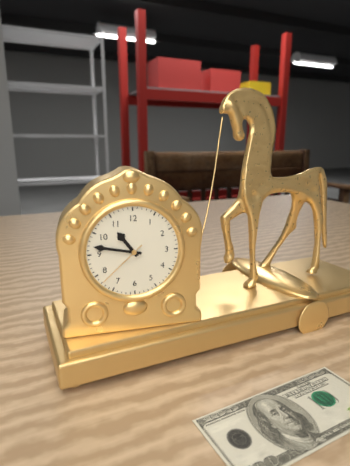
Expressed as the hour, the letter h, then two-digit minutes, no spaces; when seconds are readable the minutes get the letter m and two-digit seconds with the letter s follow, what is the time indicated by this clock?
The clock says 10h47m38s
